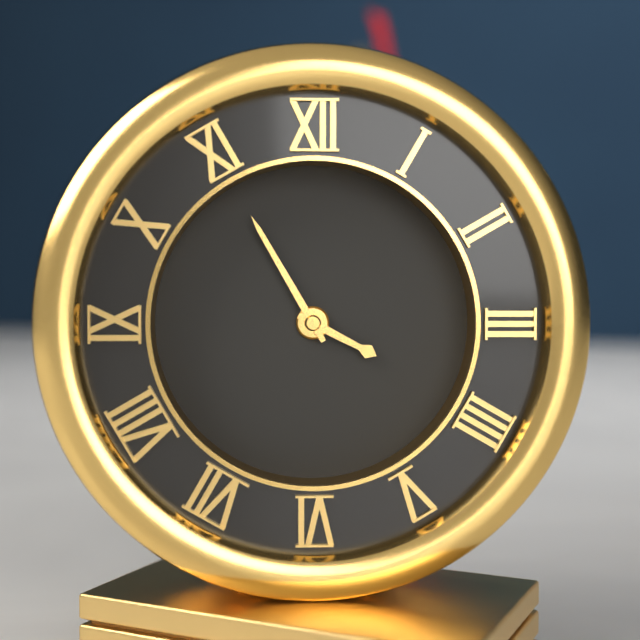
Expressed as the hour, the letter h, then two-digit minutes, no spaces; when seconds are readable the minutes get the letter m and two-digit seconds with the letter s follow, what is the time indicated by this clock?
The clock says 3h55
